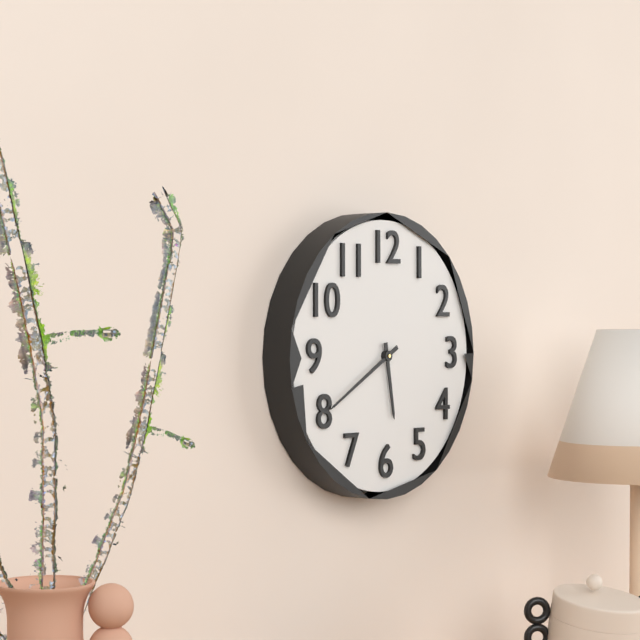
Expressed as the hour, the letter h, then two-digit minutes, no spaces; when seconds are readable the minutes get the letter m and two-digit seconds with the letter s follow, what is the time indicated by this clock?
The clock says 5h40
